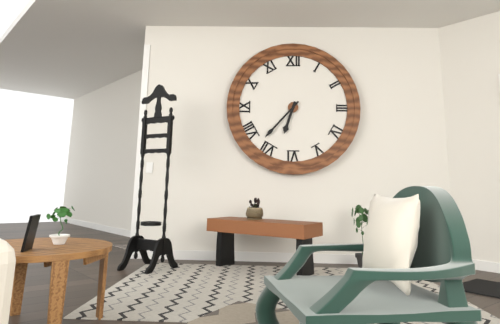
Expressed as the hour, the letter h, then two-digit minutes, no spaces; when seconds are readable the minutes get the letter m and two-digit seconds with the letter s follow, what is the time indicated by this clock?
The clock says 6h37
